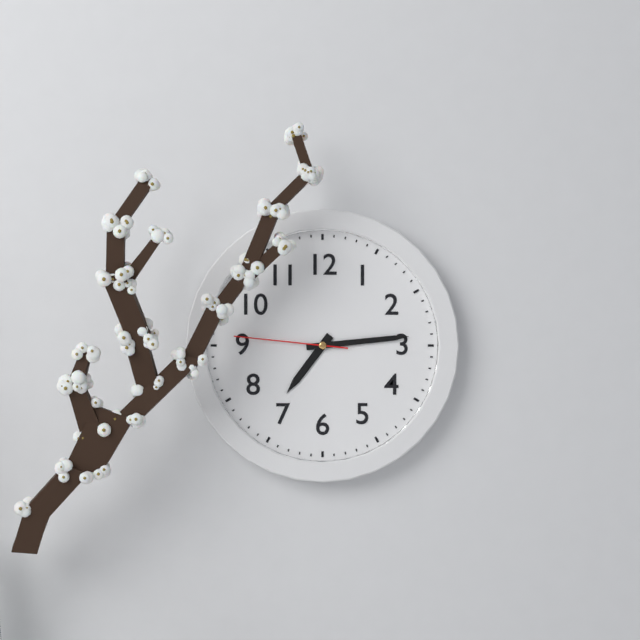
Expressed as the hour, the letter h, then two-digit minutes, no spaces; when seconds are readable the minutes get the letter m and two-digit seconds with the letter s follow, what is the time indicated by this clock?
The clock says 7h14m46s
